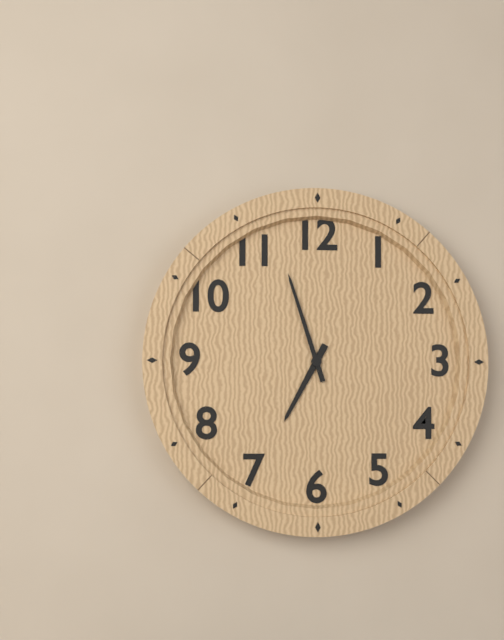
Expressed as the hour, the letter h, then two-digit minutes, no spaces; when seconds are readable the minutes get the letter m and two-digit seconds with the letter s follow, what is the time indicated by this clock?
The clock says 6h57
